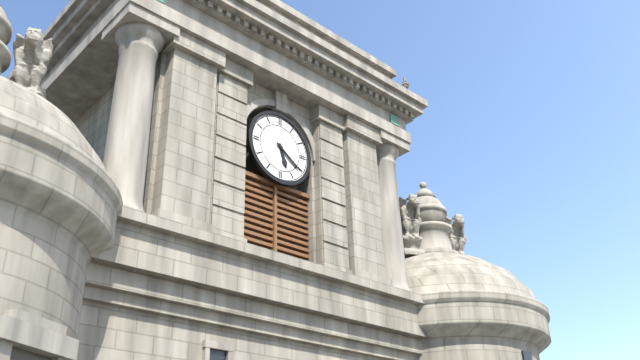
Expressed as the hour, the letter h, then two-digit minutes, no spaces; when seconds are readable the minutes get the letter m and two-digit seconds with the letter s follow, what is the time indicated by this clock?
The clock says 5h21
